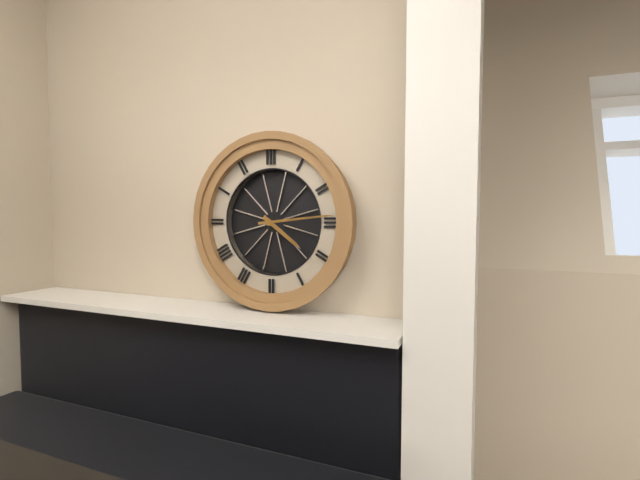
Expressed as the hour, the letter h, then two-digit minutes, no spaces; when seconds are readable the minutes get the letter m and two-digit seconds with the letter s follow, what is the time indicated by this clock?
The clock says 4h14
